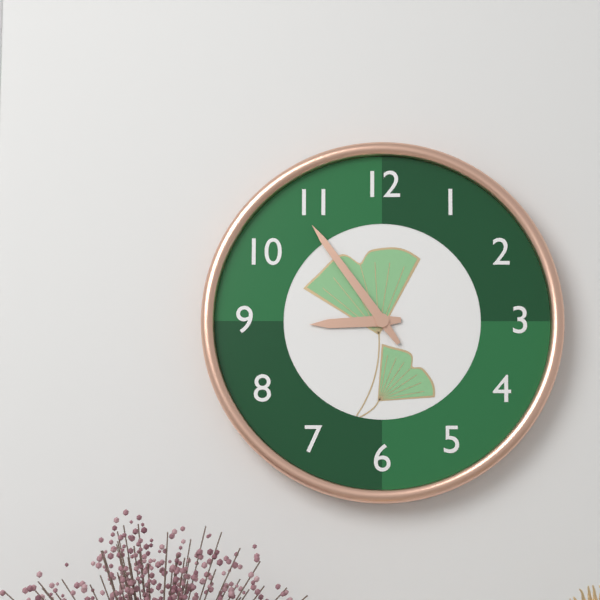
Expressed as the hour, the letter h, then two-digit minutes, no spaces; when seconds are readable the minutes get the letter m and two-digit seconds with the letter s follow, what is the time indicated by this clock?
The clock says 8h54
